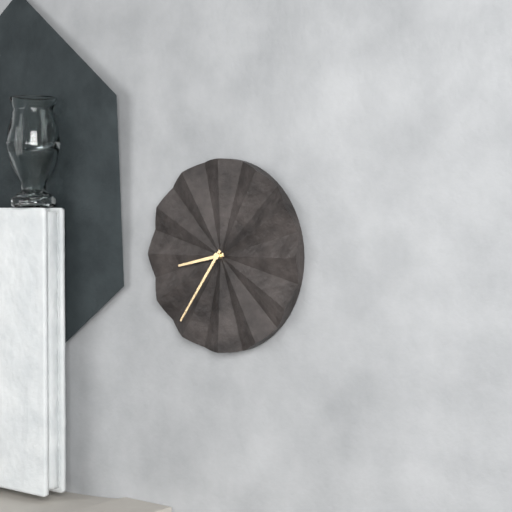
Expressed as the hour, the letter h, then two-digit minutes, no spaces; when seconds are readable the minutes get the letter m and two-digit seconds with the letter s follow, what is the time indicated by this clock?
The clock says 8h36
